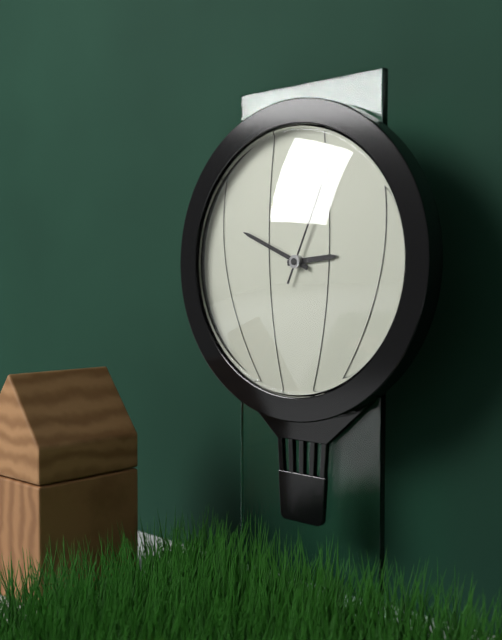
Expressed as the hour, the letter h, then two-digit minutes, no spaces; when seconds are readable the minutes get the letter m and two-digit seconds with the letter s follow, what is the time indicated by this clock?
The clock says 2h49m04s
